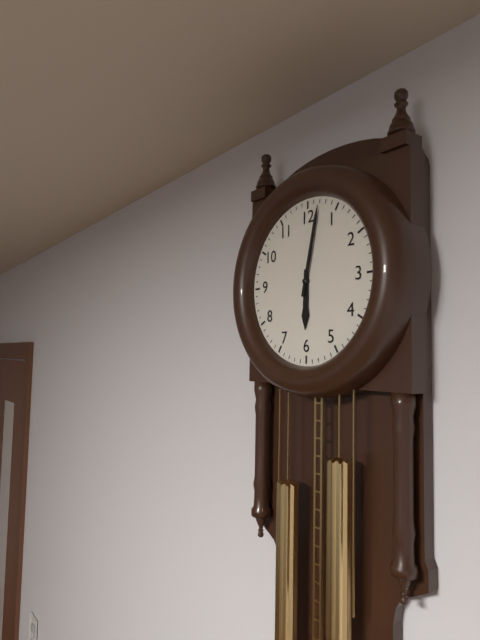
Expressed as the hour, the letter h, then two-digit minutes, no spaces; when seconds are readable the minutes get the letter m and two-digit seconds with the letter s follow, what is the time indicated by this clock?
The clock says 6h02
